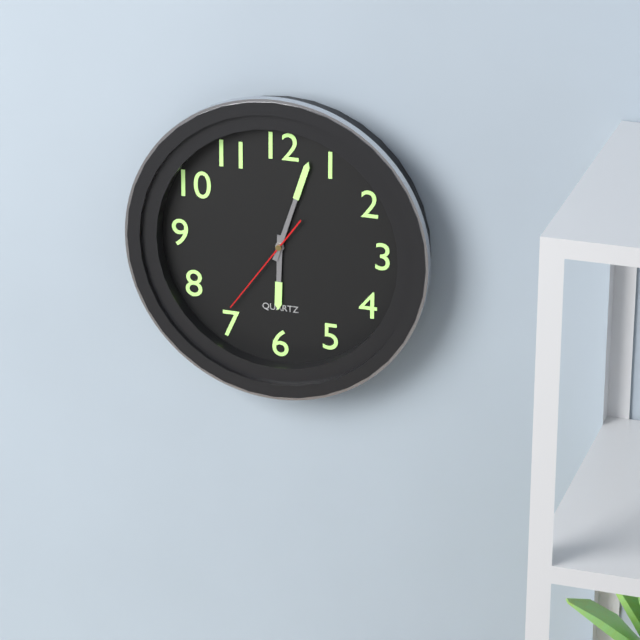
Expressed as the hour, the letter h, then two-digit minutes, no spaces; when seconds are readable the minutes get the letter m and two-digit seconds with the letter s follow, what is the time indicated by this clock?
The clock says 6h03m36s
